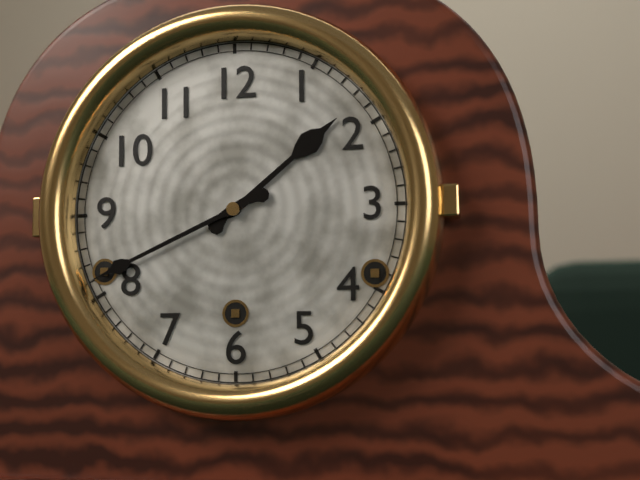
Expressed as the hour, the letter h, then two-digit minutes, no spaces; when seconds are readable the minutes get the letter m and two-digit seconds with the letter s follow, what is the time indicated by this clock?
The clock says 1h41
